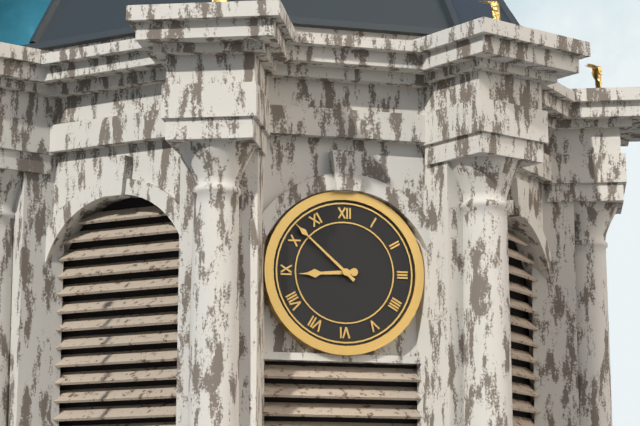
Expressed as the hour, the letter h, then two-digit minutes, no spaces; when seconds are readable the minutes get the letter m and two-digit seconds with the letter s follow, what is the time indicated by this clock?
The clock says 8h52
